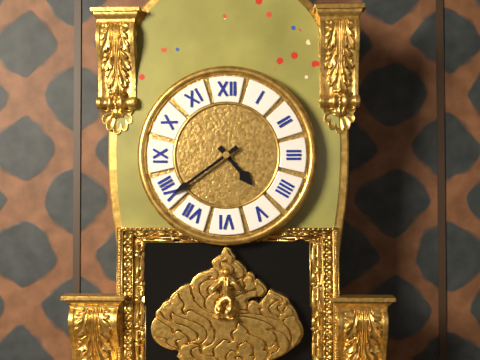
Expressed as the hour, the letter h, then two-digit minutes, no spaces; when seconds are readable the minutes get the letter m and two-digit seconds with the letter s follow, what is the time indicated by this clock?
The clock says 4h39
